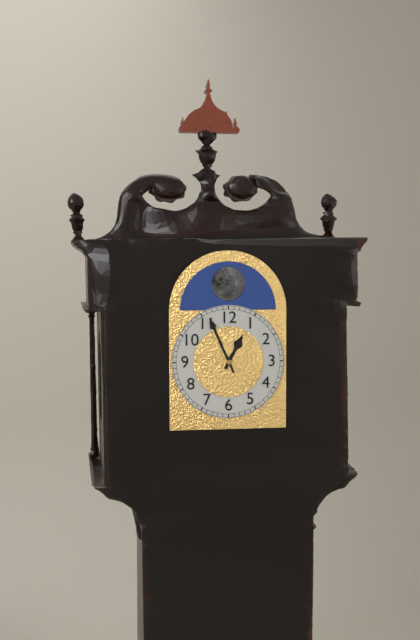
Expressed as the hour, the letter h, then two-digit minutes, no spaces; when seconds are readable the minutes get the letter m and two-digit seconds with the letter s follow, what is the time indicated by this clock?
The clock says 12h56
